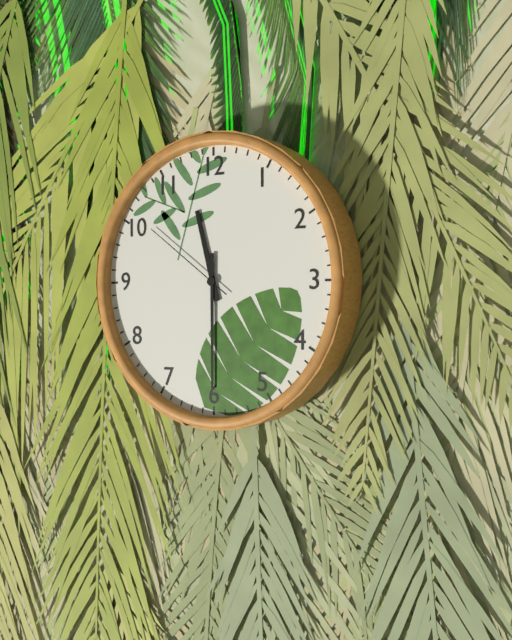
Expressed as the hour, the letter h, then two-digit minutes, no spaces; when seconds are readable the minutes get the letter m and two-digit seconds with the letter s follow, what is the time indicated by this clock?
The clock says 11h30m51s
